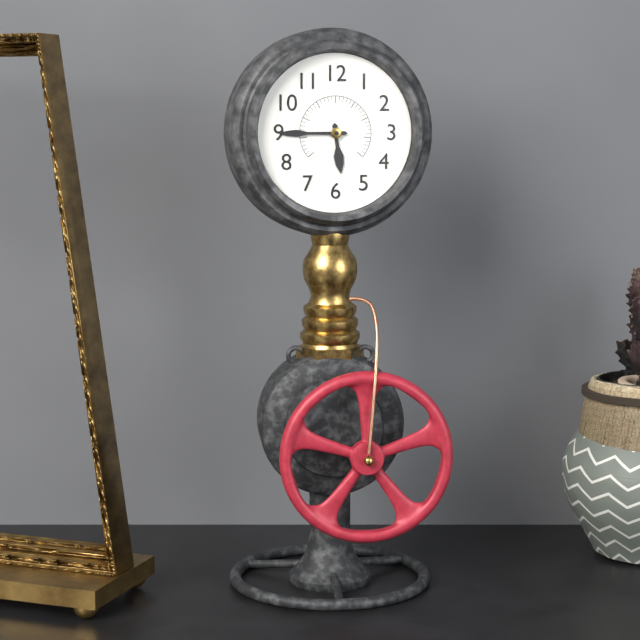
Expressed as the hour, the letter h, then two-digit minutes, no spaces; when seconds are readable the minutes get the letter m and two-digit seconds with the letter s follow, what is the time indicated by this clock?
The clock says 5h45
